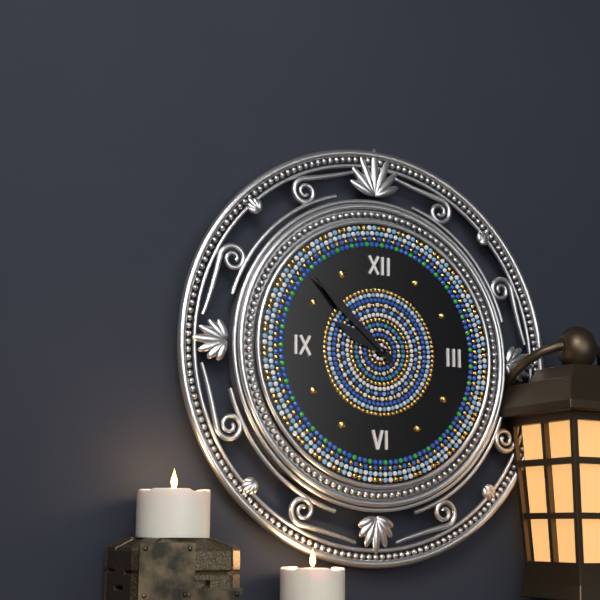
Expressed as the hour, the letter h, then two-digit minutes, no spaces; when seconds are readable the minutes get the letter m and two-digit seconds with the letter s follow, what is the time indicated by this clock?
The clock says 9h52
